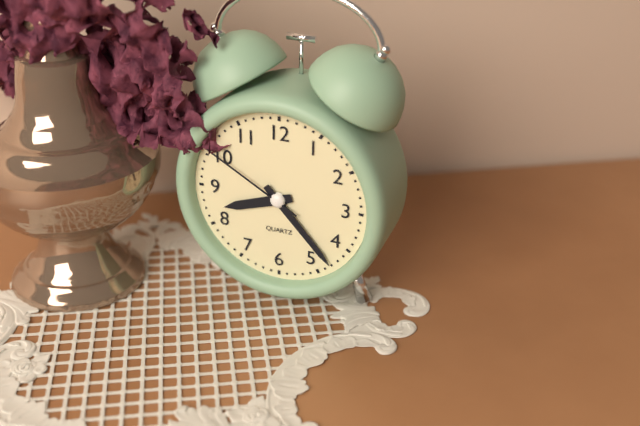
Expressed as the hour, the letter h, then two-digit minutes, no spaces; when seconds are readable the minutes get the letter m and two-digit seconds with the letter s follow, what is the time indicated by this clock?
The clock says 8h23m50s
